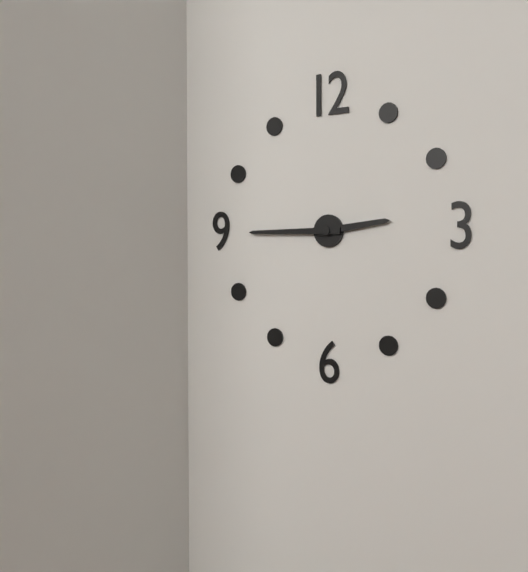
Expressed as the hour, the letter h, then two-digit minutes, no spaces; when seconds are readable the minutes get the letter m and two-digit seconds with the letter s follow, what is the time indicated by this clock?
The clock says 2h45
